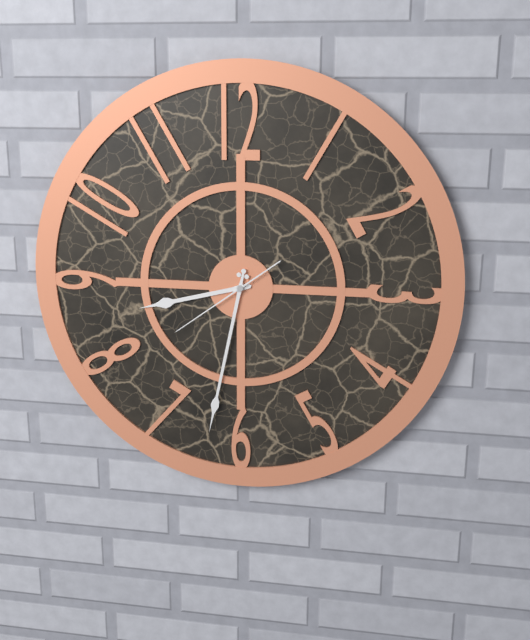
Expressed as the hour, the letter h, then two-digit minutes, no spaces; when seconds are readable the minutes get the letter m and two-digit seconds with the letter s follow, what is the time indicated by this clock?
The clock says 8h32m39s
